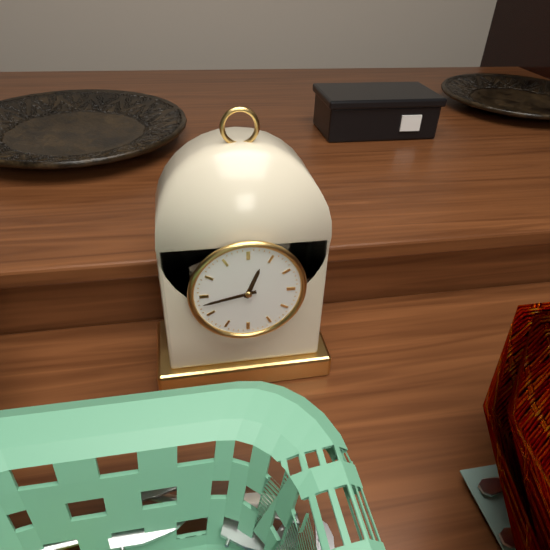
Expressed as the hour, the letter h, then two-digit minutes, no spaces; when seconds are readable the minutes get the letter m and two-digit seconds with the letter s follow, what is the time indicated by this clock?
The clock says 12h43
